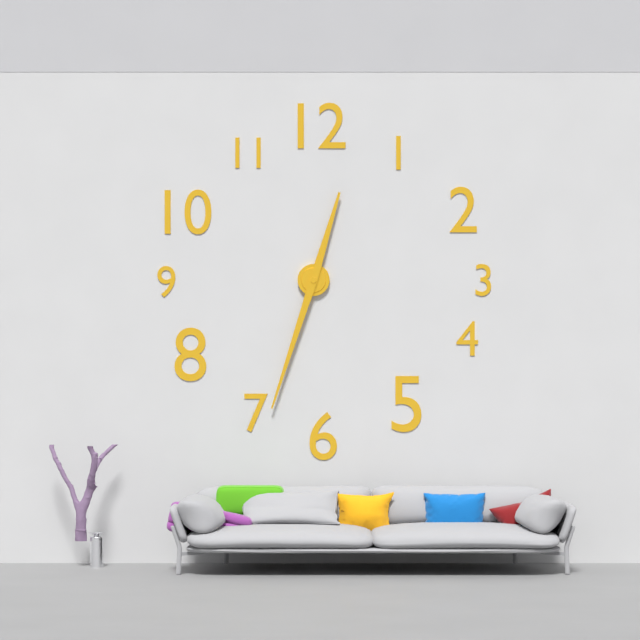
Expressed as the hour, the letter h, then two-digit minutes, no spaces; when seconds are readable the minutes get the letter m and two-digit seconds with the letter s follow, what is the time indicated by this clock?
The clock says 12h33
